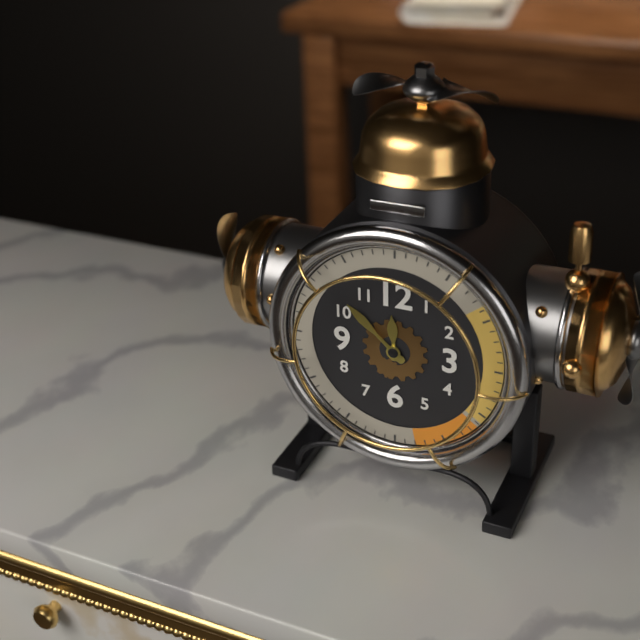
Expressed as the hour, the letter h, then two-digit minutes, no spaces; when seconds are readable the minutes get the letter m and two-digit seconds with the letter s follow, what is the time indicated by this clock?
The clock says 11h52
